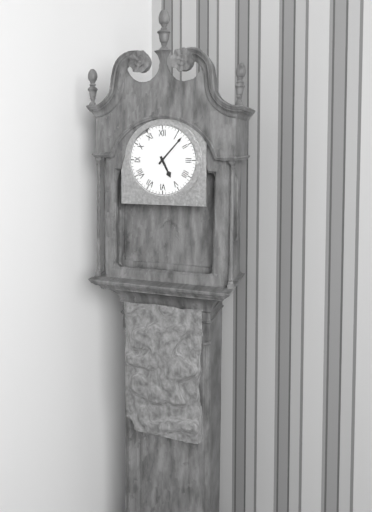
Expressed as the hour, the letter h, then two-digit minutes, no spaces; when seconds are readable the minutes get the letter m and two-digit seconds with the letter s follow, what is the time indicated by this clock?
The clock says 5h07
